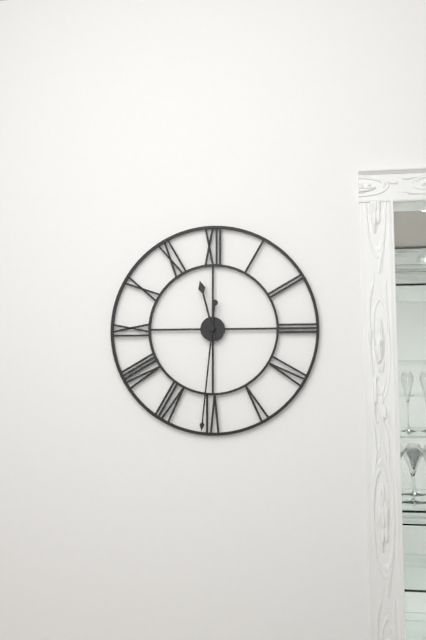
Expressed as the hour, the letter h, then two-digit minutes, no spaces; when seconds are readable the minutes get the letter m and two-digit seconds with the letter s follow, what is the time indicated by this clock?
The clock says 11h31
